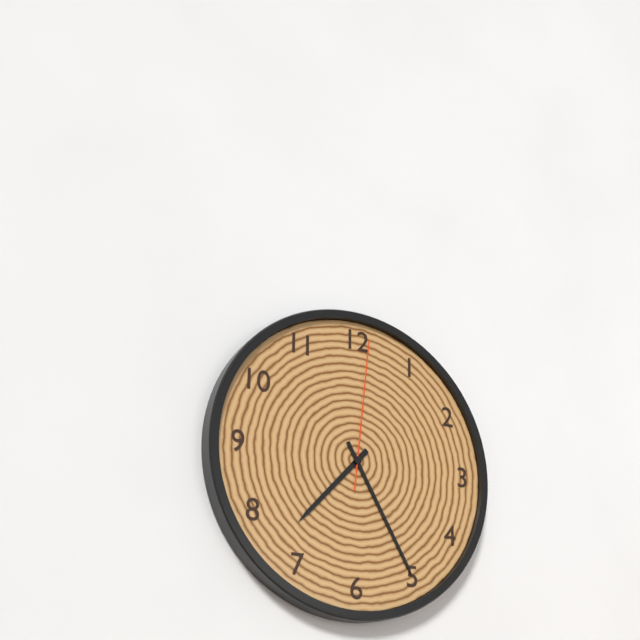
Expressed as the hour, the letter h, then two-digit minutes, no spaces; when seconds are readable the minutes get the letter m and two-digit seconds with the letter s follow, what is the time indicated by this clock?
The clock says 7h25m01s
